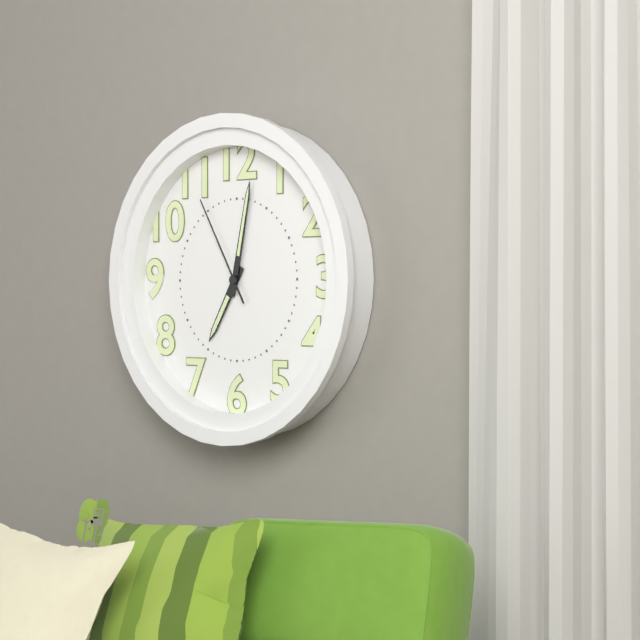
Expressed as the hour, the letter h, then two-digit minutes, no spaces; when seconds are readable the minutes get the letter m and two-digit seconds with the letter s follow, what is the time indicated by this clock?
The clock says 7h02m55s
